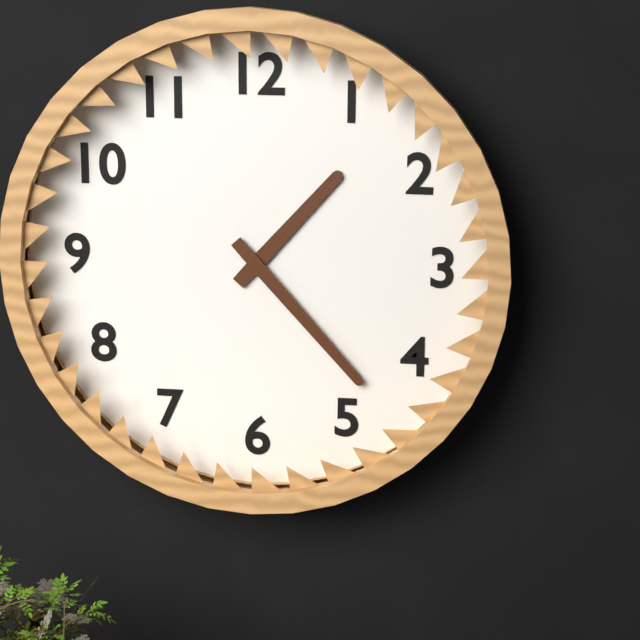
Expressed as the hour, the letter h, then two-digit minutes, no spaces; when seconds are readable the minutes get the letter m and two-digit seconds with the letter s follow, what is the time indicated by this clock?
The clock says 1h23
